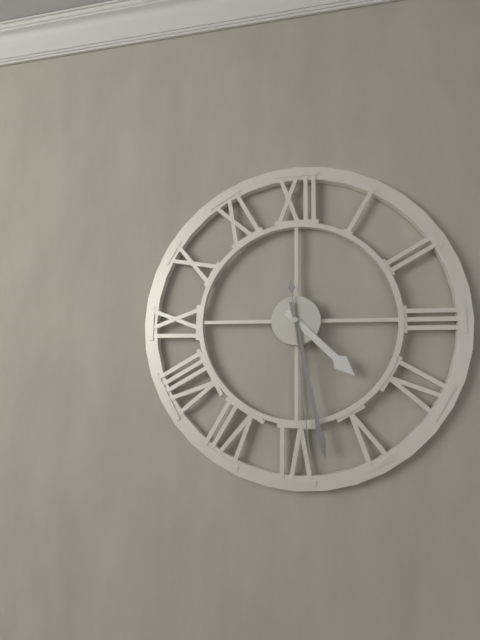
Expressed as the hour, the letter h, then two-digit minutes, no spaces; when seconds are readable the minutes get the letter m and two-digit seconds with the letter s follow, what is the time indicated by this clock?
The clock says 4h28m29s
